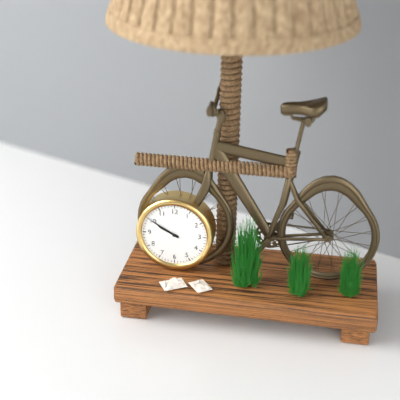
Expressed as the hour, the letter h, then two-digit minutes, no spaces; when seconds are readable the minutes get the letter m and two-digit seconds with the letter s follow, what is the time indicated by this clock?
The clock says 9h50
